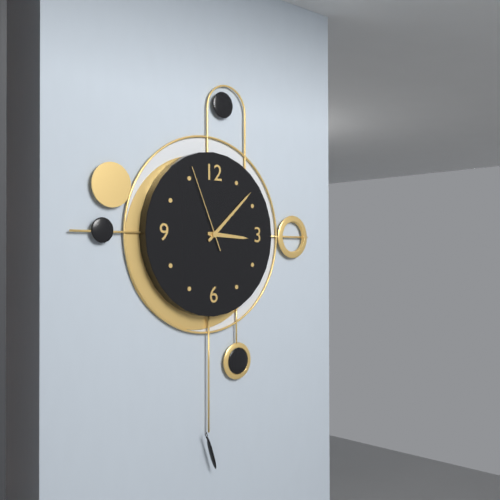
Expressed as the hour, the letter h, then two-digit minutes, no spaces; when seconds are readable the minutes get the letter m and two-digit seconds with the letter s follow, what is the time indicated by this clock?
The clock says 3h08m56s
